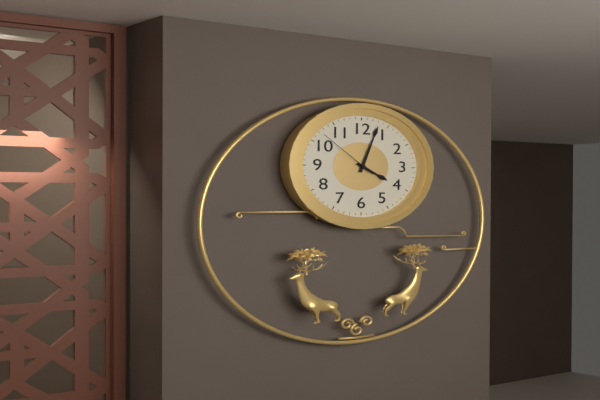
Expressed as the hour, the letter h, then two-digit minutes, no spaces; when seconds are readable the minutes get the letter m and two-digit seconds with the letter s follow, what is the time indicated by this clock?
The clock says 4h03m52s
